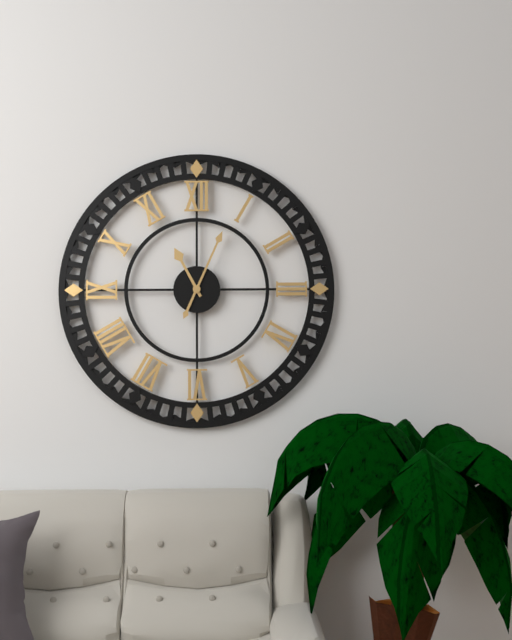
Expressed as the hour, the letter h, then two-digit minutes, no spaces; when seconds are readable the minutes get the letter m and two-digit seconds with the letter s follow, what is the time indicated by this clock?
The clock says 11h04
